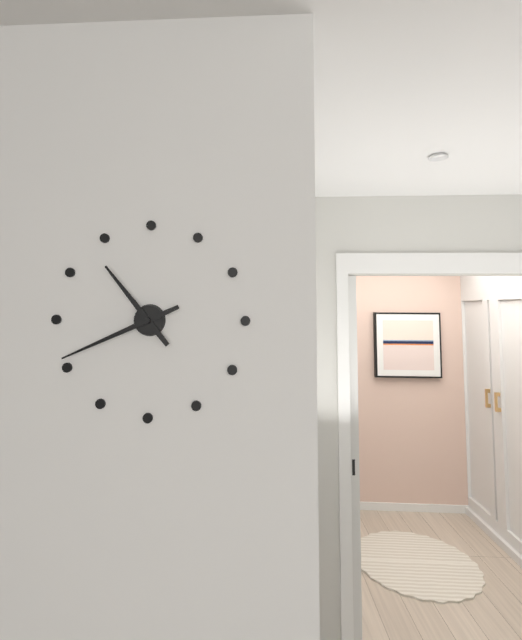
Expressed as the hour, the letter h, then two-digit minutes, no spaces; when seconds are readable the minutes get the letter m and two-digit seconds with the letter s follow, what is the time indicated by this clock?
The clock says 10h41
